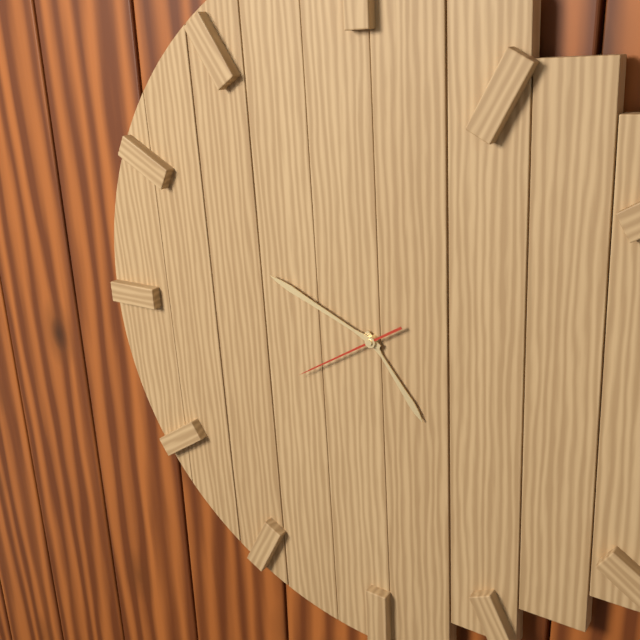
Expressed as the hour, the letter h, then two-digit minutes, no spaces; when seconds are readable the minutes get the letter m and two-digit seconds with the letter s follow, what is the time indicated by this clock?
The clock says 4h49m40s
